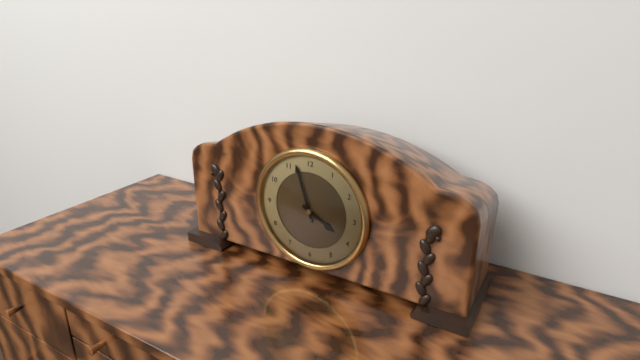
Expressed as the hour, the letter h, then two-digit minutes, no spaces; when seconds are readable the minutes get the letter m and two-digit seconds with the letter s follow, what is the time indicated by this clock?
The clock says 3h57
